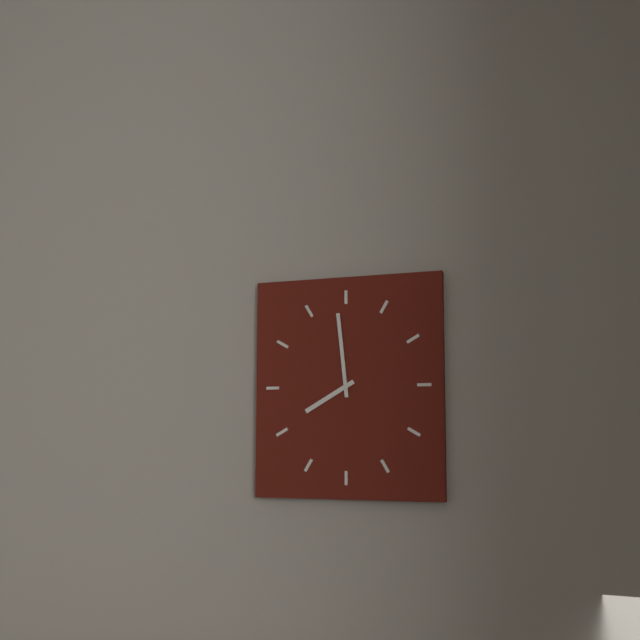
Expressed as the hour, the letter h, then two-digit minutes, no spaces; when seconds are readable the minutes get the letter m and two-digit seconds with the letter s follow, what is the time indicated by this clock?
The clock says 7h59
